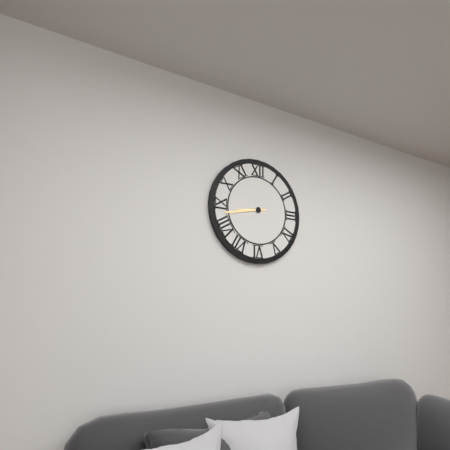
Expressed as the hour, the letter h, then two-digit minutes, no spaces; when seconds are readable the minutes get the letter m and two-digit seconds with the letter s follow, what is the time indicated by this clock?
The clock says 8h43
